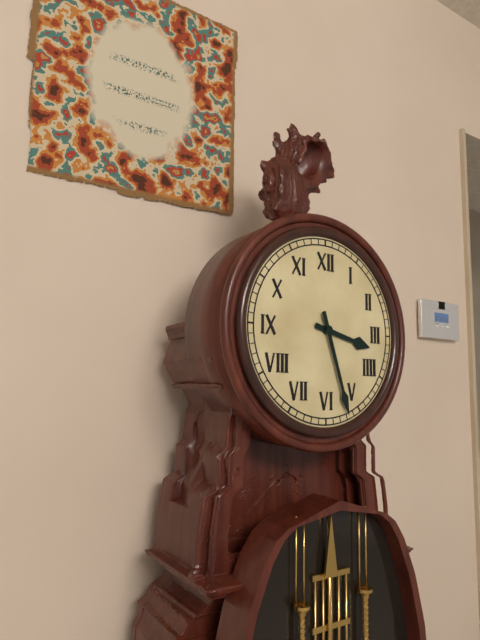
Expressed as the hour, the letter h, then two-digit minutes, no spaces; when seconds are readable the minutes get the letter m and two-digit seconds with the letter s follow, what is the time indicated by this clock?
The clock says 3h27
